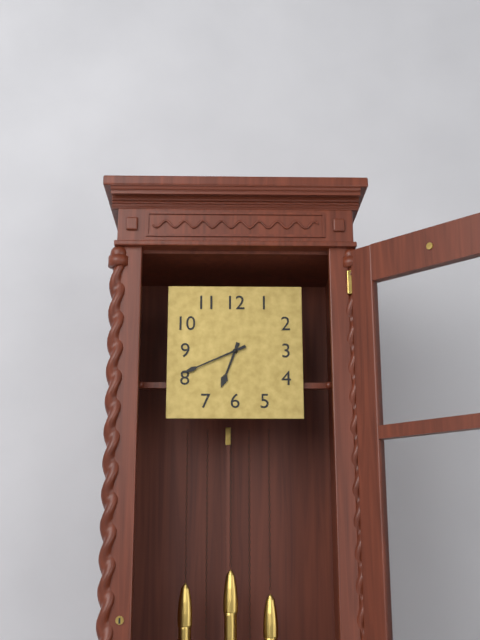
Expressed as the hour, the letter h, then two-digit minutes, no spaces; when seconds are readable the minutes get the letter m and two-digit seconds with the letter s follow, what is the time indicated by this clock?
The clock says 6h41
